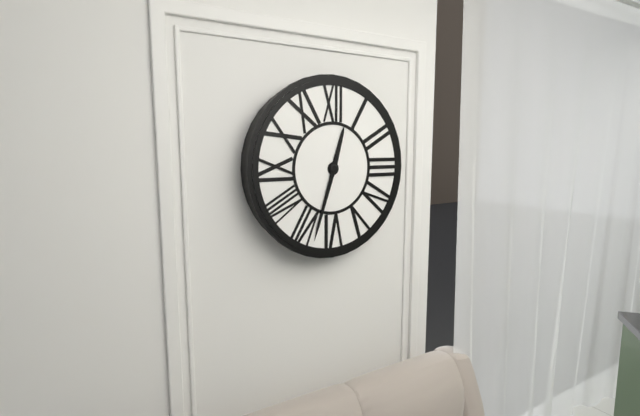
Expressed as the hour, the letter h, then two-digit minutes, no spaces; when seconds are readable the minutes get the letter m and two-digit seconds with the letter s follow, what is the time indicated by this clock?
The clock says 12h33
